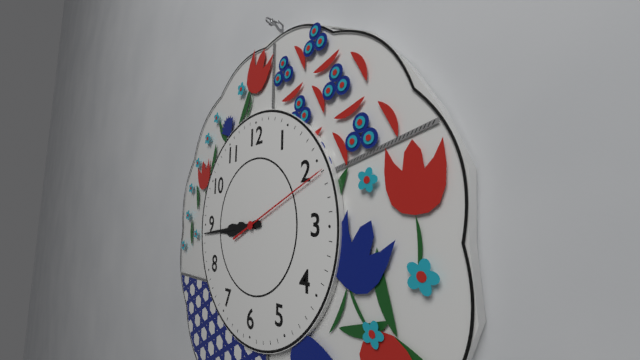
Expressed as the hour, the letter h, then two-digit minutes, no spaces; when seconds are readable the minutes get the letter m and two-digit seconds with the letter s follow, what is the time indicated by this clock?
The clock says 8h44m11s
